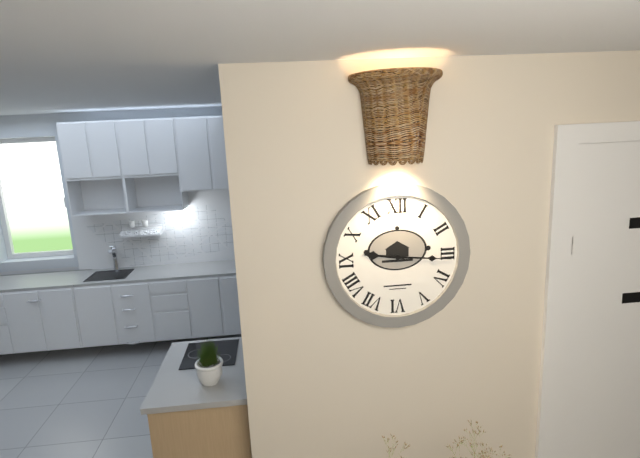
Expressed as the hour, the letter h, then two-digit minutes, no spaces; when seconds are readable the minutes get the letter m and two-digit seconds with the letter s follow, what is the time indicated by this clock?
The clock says 9h16
